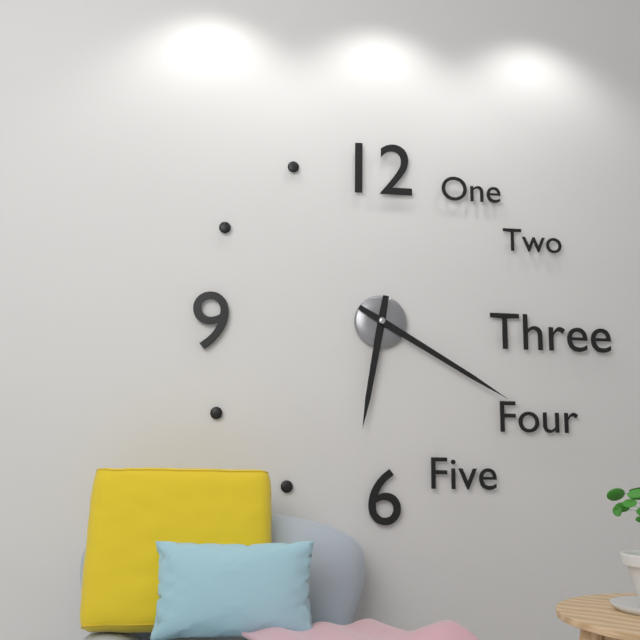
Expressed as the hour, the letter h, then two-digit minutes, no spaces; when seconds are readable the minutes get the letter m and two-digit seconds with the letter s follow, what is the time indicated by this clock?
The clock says 6h20
